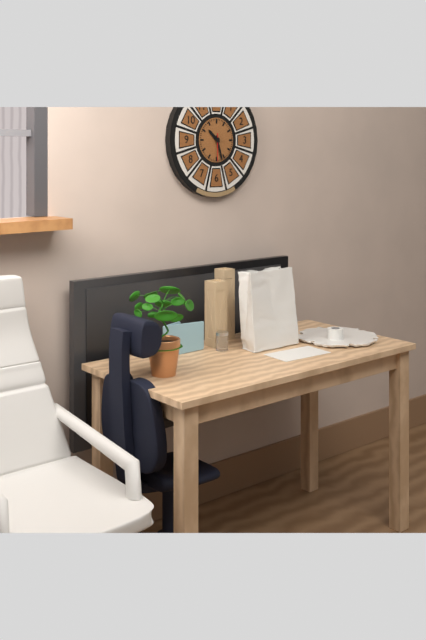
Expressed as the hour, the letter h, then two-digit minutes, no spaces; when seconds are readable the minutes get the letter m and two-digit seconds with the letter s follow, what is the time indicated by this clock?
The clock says 10h27
